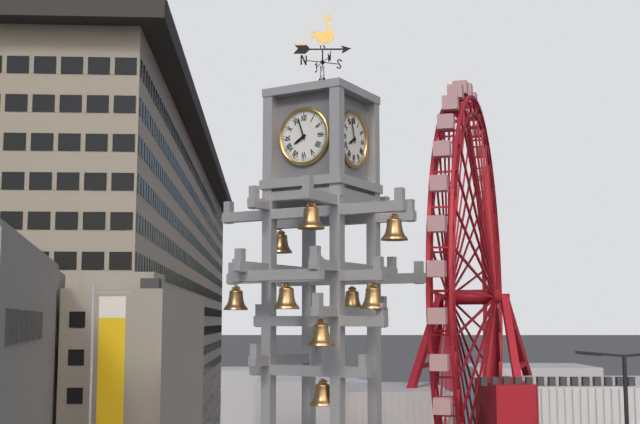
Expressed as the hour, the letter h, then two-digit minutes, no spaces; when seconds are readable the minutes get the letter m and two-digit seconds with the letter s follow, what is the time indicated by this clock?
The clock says 7h57
